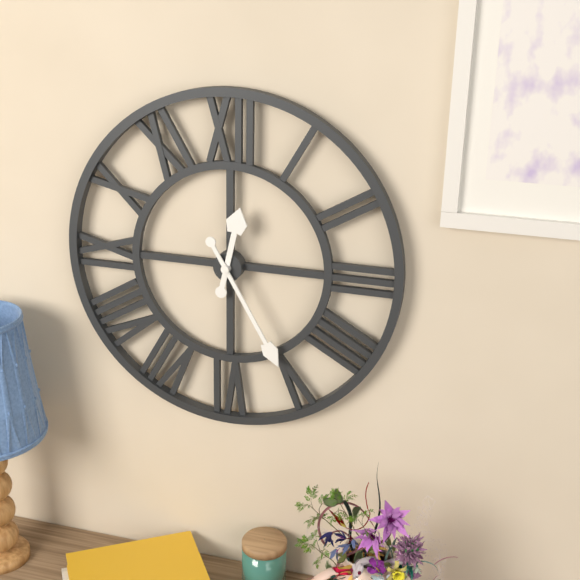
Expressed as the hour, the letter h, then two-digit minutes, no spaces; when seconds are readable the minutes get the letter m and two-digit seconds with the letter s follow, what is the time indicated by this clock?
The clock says 12h25
